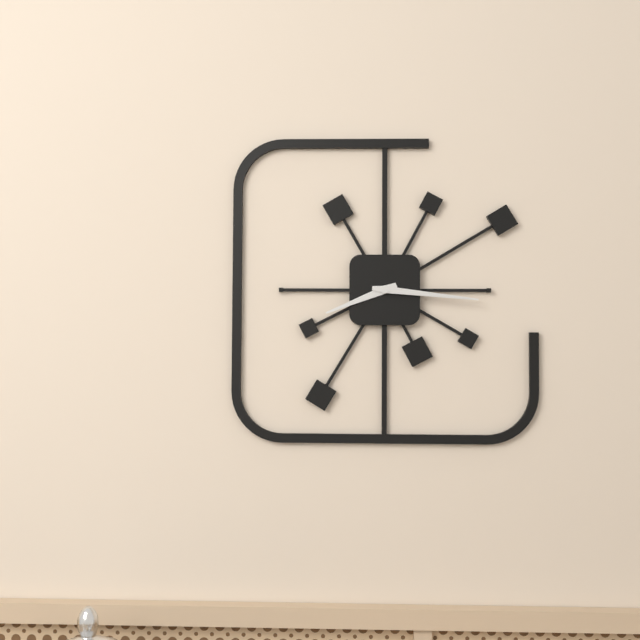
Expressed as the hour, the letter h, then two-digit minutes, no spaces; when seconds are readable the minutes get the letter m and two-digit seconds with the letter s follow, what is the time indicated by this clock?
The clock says 8h16
